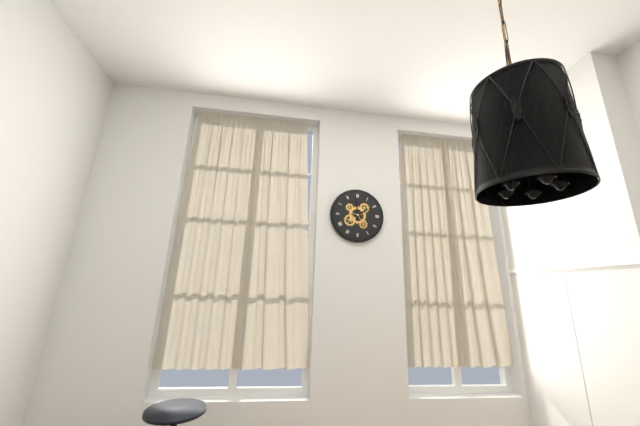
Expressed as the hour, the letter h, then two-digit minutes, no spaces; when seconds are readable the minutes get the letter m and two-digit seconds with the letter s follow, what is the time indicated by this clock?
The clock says 1h59
